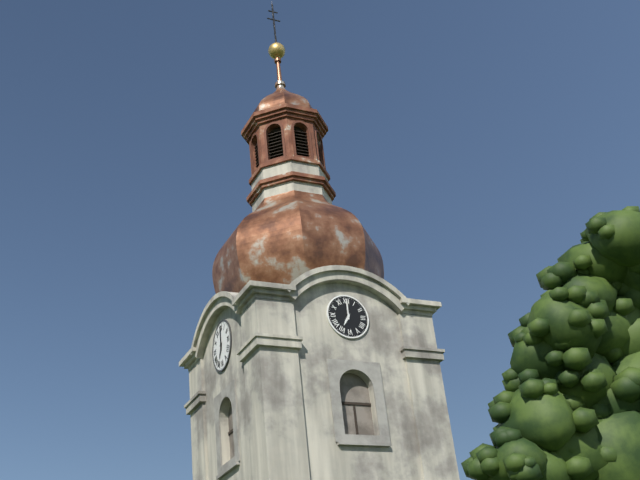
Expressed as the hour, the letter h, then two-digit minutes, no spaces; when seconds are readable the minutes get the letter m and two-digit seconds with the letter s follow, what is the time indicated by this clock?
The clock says 7h00
